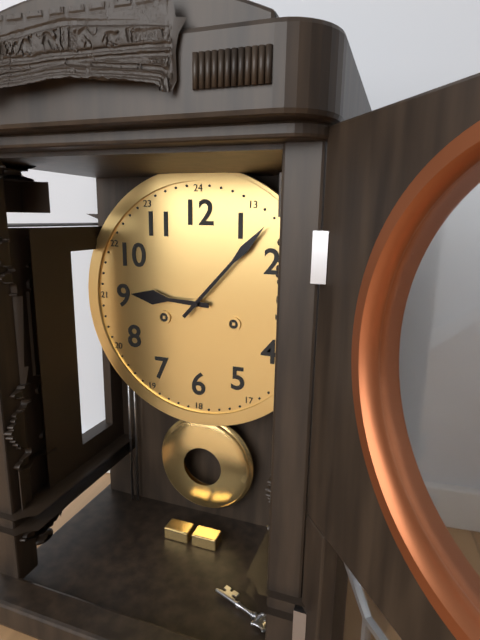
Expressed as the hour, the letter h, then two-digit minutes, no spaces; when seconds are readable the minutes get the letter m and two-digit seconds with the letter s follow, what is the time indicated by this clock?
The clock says 9h07
